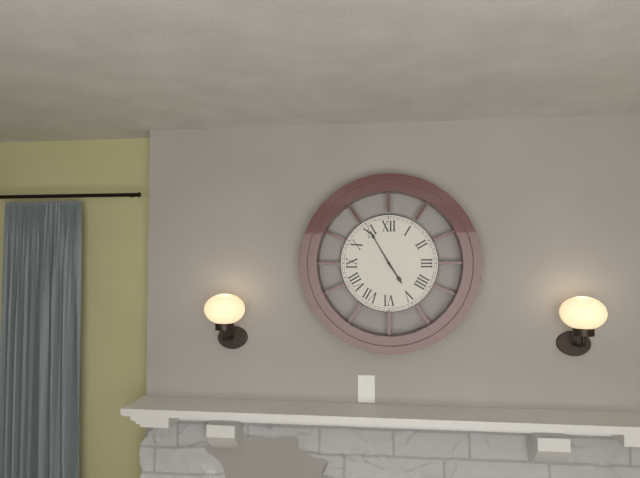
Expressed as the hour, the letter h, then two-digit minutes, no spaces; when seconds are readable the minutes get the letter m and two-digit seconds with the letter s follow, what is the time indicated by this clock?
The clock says 4h55
